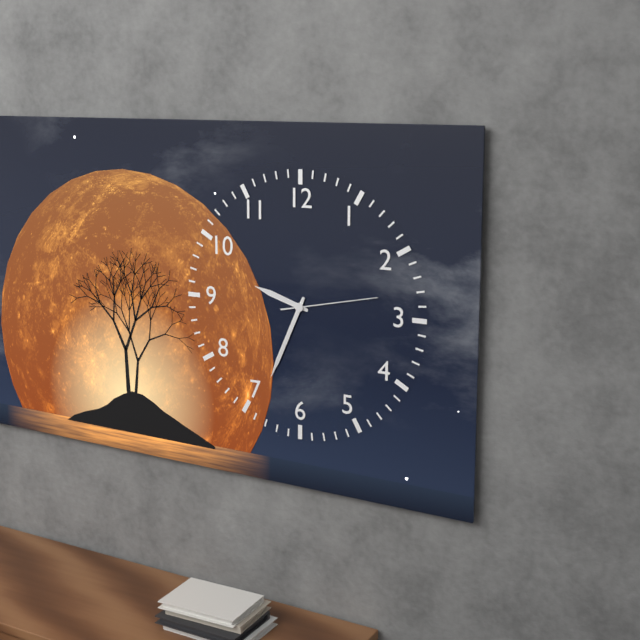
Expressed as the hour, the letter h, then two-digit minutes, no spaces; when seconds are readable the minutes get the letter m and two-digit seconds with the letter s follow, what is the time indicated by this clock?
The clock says 9h34m13s
